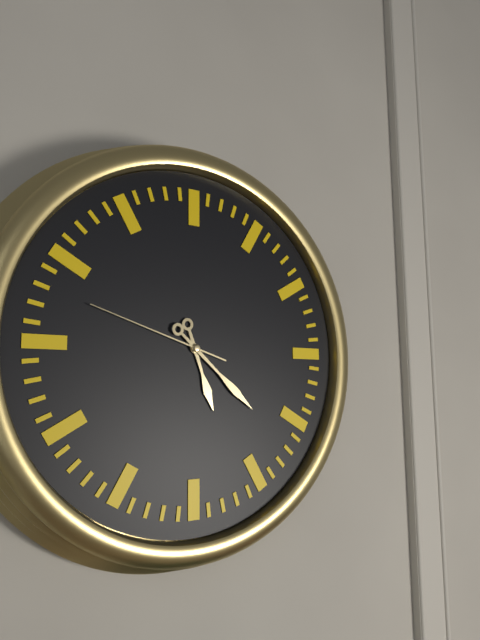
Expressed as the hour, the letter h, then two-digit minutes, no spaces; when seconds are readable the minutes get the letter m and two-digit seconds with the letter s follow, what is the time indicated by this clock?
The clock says 5h22m48s
